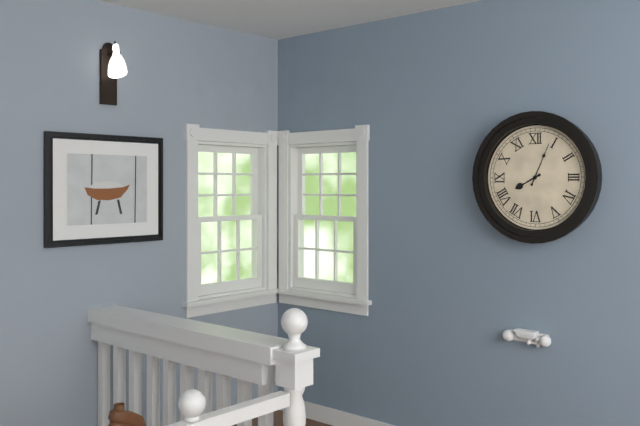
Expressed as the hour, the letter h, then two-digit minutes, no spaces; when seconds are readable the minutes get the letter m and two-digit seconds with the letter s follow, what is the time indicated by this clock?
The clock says 8h04
